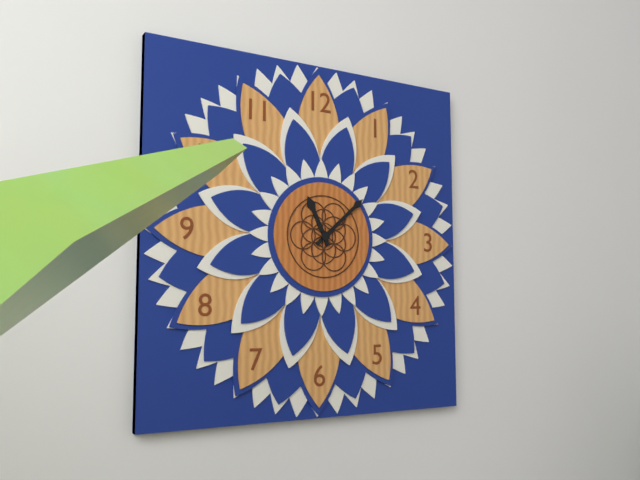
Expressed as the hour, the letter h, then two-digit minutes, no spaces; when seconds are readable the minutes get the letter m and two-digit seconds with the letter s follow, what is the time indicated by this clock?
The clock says 11h08
